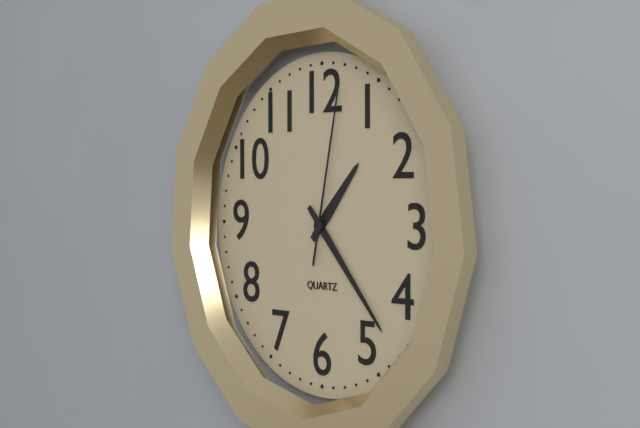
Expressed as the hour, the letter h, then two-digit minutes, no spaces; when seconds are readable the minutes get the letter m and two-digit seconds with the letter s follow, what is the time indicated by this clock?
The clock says 1h23m02s
